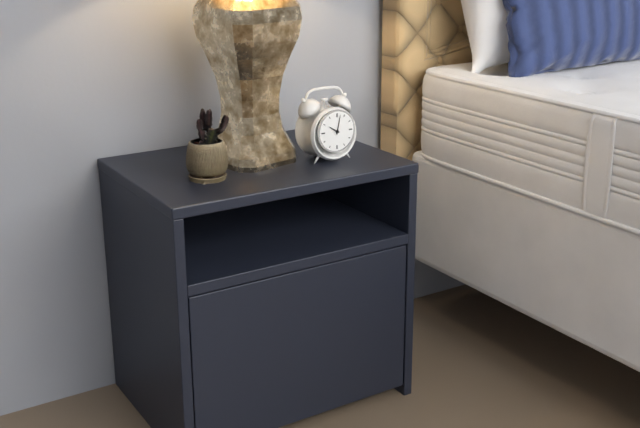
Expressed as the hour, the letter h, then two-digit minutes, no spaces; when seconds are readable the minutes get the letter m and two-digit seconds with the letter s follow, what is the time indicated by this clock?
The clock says 10h02
